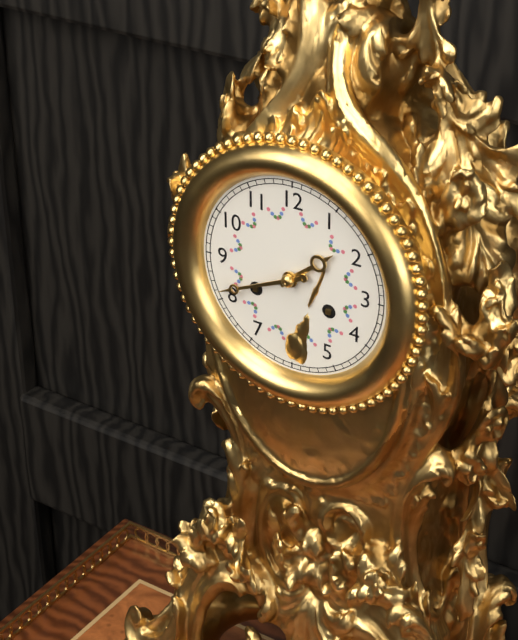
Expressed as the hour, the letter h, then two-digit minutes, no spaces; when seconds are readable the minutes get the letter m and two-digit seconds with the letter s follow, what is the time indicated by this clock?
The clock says 1h41
